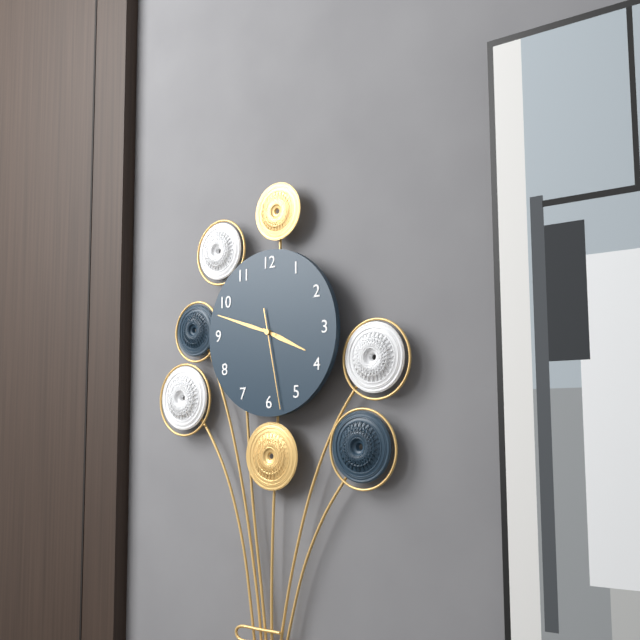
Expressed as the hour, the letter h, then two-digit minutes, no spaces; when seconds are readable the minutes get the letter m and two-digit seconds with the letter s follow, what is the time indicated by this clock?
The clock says 3h48m28s
